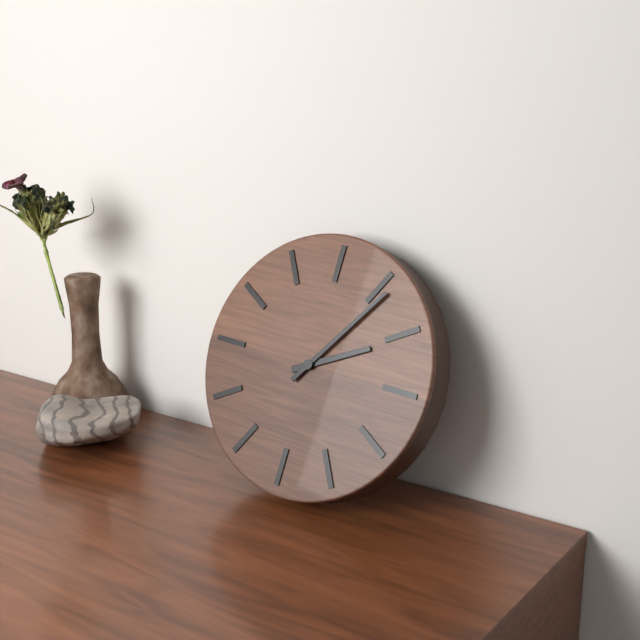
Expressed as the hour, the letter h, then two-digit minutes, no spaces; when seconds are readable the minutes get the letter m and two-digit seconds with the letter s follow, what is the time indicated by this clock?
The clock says 2h06
